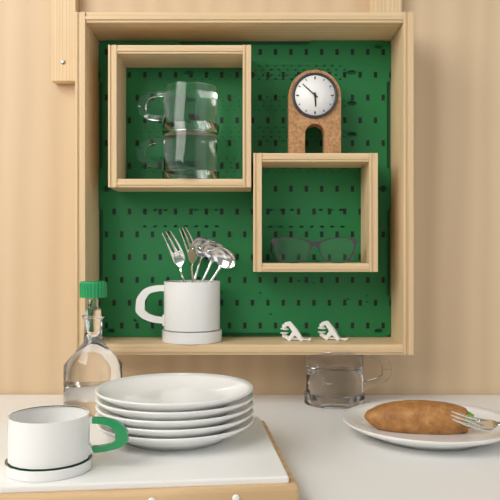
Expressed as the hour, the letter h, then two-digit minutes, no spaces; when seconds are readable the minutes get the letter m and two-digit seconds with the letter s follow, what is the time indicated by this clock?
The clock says 5h52
